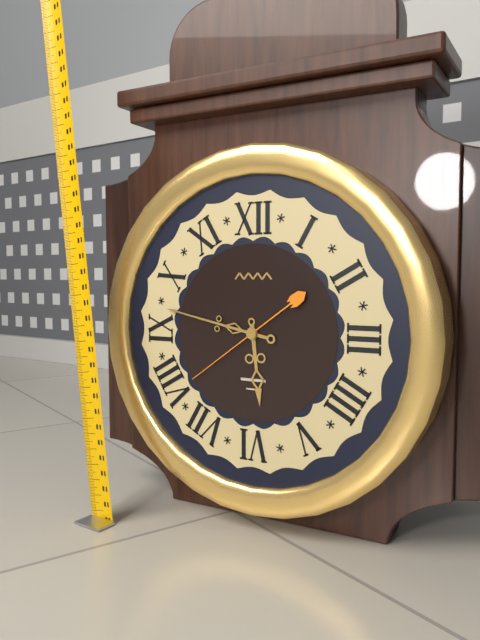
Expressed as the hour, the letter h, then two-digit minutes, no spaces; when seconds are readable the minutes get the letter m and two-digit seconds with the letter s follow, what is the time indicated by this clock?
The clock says 5h47m39s
